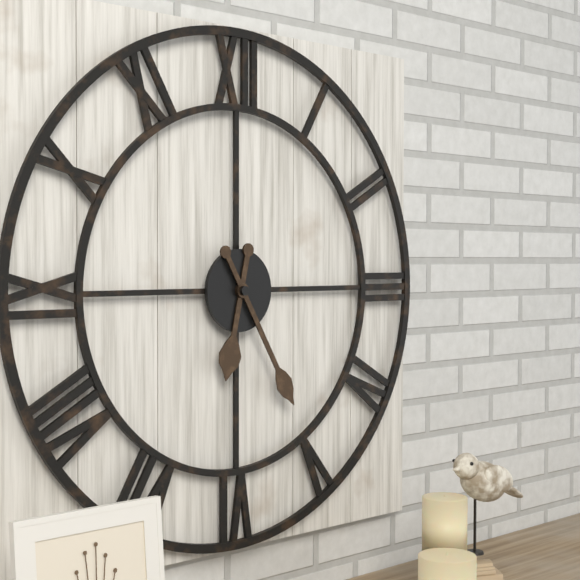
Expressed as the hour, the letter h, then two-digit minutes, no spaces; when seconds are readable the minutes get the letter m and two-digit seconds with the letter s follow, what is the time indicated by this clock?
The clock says 6h25
